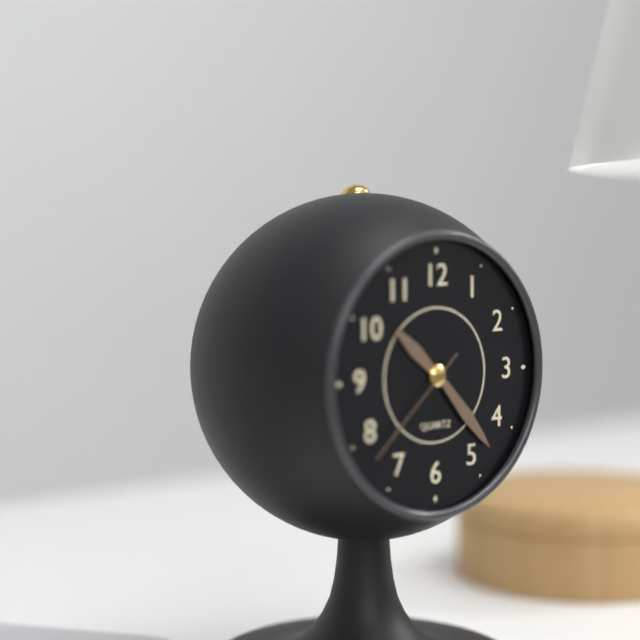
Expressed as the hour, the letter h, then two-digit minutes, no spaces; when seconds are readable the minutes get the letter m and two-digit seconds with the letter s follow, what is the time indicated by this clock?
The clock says 10h23m38s
